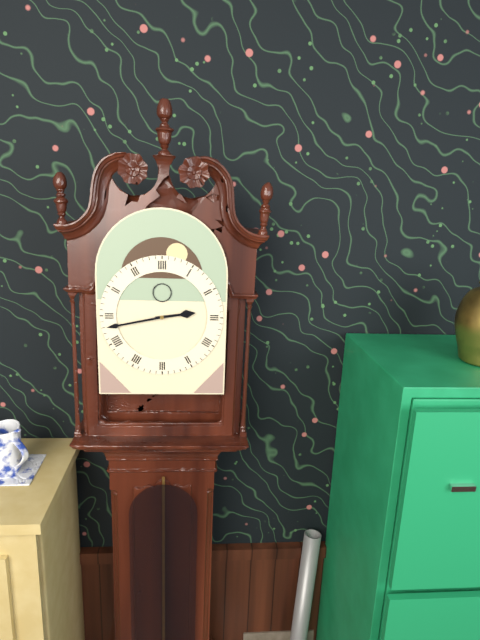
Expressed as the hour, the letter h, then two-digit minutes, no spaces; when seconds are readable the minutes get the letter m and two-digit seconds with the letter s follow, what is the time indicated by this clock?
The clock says 2h43
